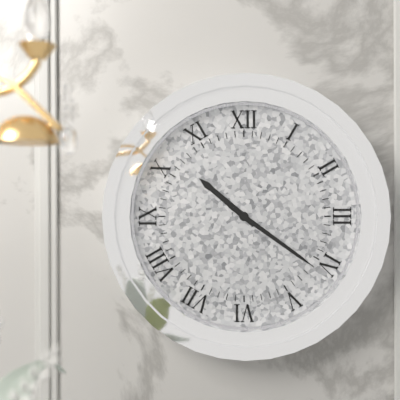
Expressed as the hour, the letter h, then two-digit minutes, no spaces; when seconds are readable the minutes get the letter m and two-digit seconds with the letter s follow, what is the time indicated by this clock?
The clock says 10h21
